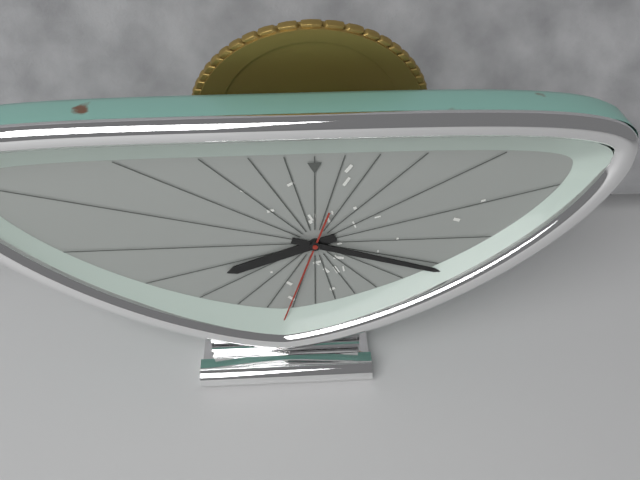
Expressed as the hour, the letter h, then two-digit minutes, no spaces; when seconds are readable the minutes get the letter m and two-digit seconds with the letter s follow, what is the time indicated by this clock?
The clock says 8h18m33s
